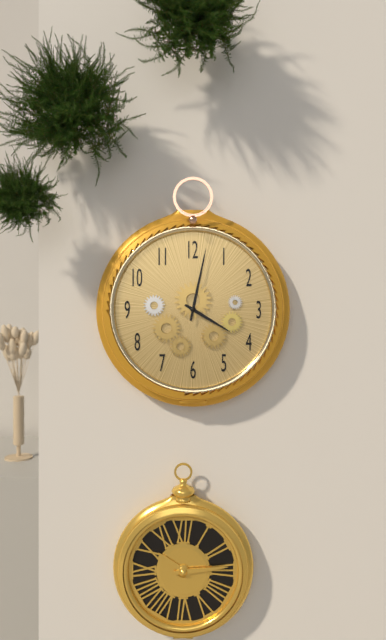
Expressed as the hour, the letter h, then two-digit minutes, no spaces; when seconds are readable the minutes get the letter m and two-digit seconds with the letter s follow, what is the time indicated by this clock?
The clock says 4h02
